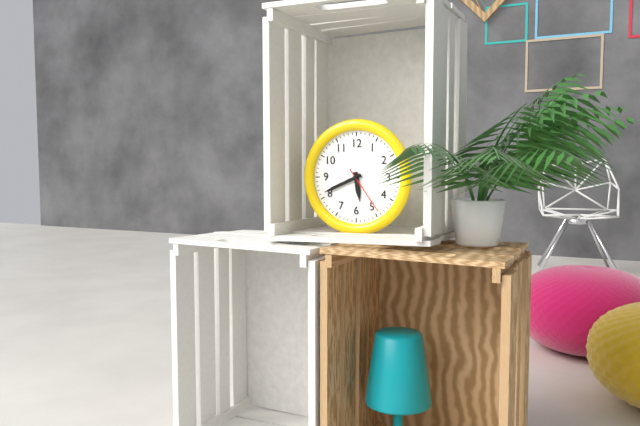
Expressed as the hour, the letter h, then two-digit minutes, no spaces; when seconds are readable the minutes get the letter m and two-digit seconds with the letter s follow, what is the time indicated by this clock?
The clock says 5h41m24s
